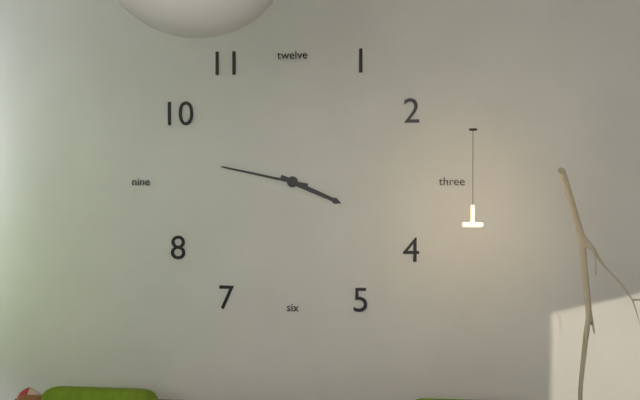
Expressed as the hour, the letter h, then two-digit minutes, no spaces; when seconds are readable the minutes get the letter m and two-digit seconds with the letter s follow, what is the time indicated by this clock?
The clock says 3h47
